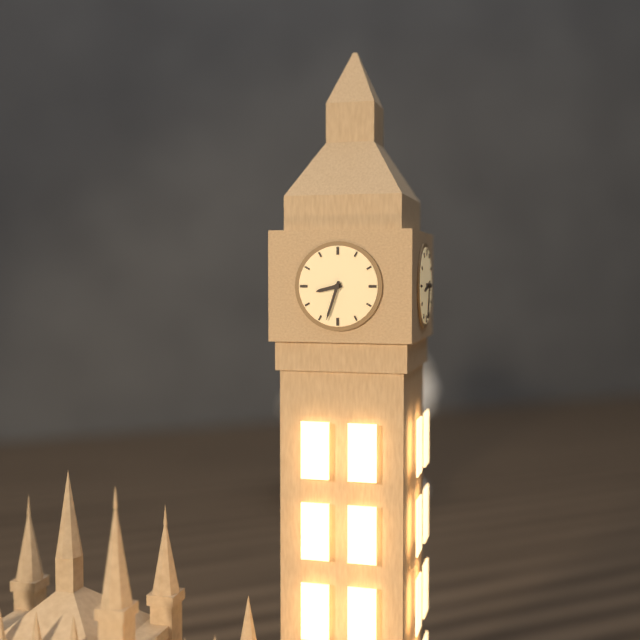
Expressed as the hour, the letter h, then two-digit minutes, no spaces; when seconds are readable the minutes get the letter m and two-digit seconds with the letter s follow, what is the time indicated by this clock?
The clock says 8h33
